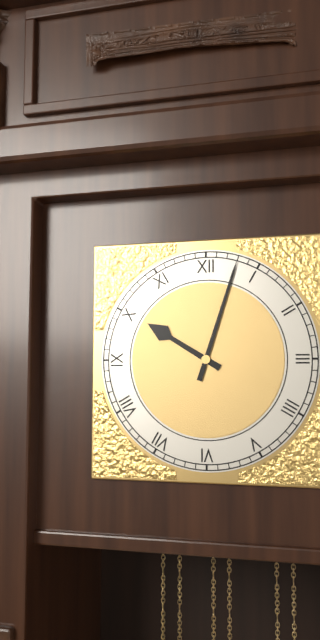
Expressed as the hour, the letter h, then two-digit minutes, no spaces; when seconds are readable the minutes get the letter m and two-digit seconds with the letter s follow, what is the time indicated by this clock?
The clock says 10h03
